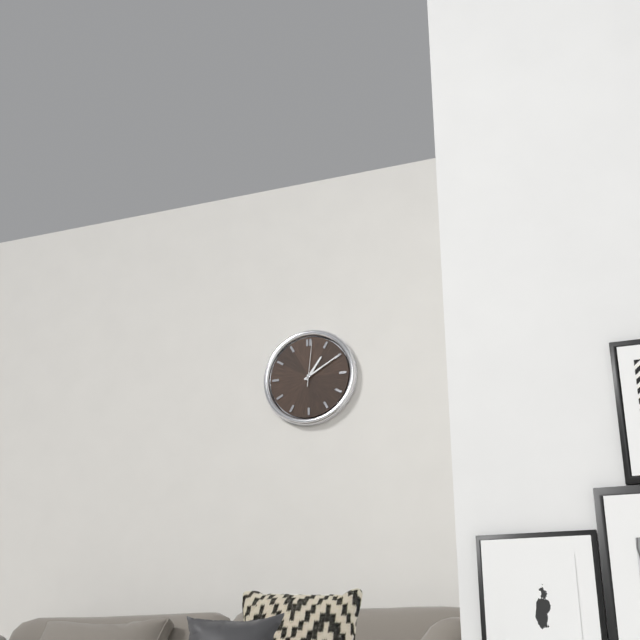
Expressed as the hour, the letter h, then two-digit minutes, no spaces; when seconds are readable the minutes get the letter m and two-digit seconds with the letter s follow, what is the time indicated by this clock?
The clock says 1h10
